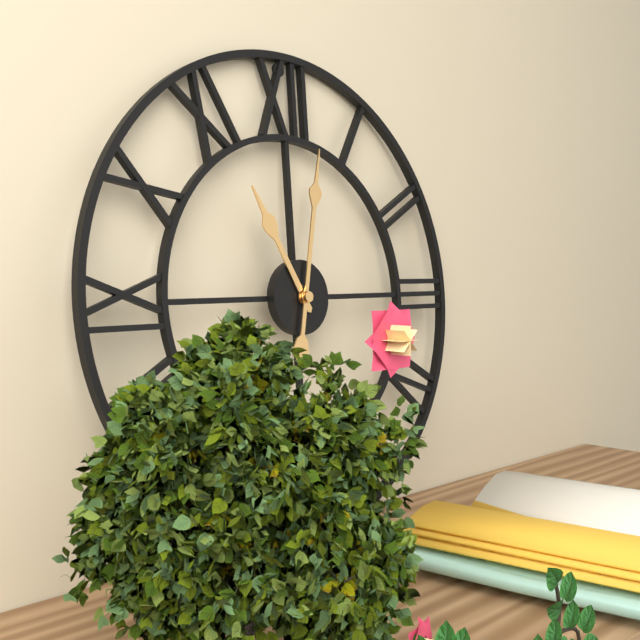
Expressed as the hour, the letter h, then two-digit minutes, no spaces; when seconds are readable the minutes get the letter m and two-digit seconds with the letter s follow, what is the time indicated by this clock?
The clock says 11h02
